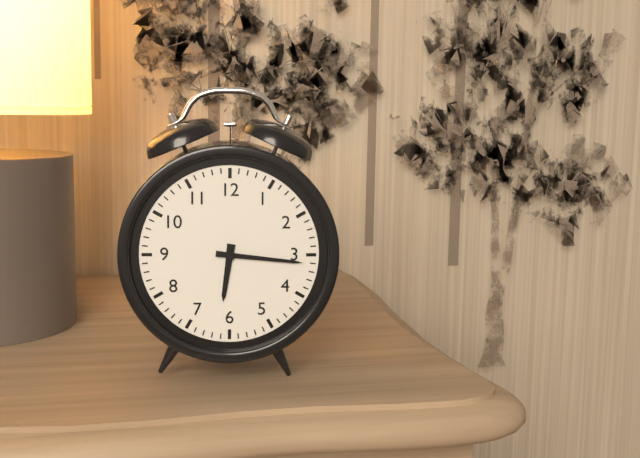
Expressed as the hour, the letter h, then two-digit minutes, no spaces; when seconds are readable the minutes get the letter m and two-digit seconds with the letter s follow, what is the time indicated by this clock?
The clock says 6h16
